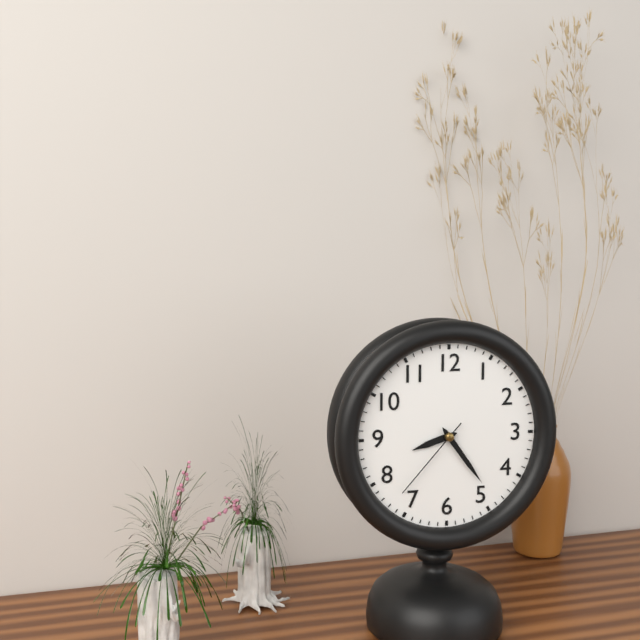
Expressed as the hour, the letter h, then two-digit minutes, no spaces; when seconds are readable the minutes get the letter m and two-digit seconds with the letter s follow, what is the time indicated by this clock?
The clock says 8h24m37s
